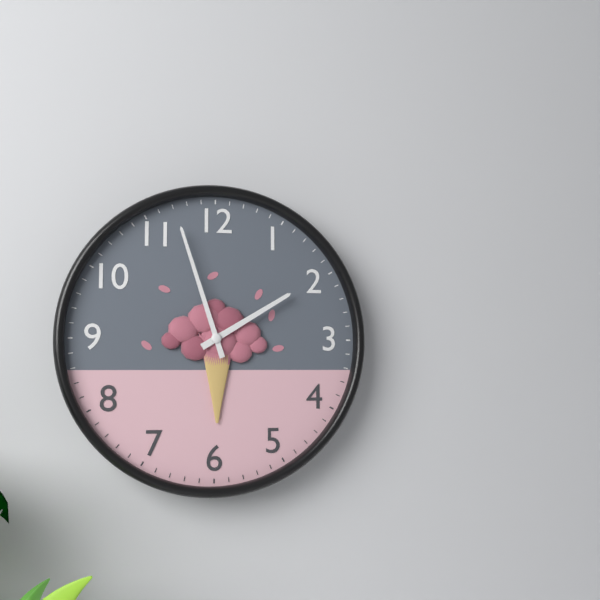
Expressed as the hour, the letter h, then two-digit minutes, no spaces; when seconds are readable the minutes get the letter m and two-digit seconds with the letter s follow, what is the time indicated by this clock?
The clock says 1h57
